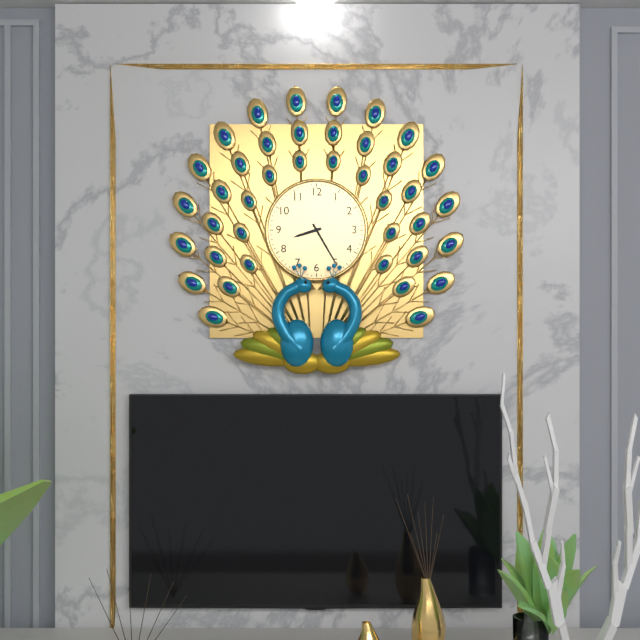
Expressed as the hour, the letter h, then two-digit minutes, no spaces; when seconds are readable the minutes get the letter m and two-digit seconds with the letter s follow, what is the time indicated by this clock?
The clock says 8h25
